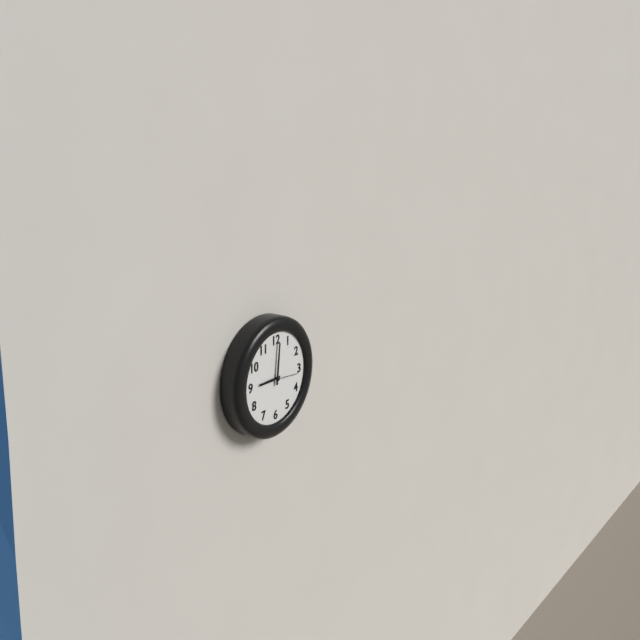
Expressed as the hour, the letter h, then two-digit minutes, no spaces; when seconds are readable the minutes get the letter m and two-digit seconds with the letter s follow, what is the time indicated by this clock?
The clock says 9h01
